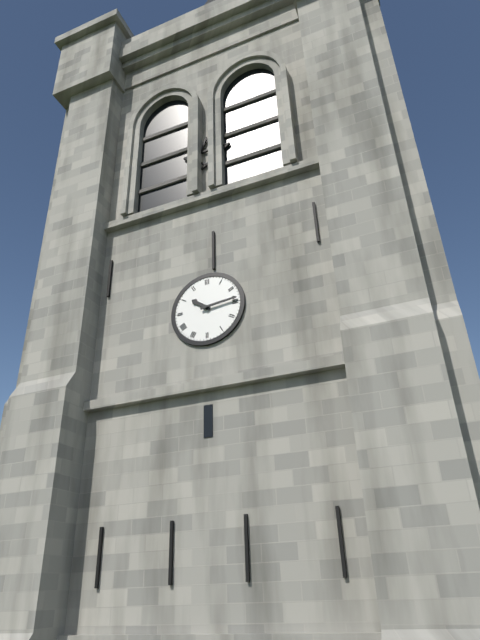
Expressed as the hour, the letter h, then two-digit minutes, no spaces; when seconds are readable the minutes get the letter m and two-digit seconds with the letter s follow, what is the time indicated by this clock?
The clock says 10h14
